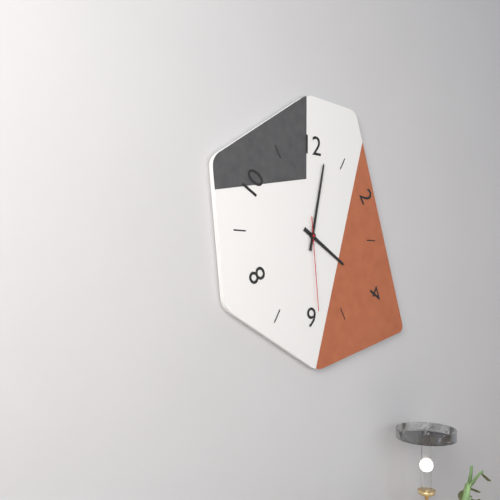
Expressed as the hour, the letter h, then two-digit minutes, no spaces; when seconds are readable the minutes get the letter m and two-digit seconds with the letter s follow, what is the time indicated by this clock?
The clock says 4h02m29s
